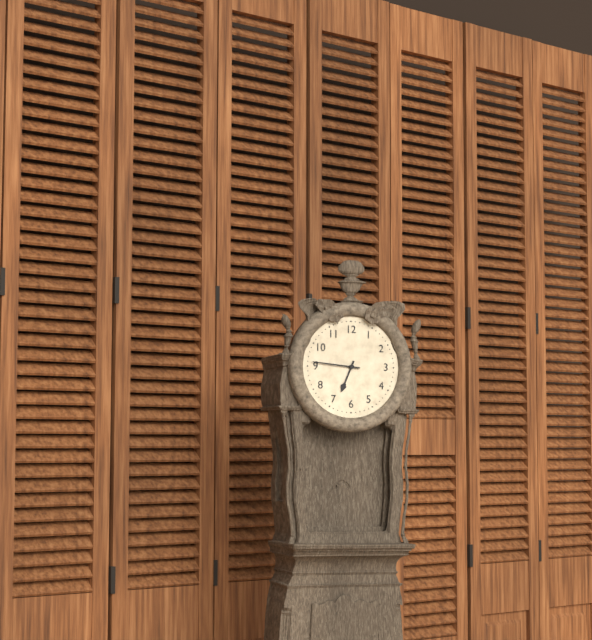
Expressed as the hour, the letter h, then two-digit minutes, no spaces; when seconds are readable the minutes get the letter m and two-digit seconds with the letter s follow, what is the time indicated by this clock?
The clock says 6h46
